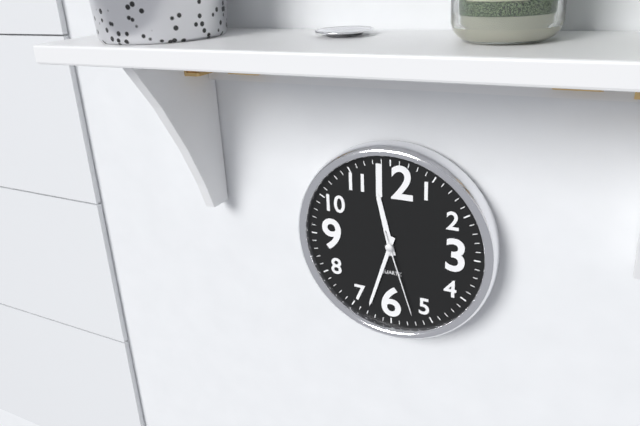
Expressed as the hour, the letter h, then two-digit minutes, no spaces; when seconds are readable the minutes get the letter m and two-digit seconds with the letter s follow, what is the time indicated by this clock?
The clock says 11h33m27s
